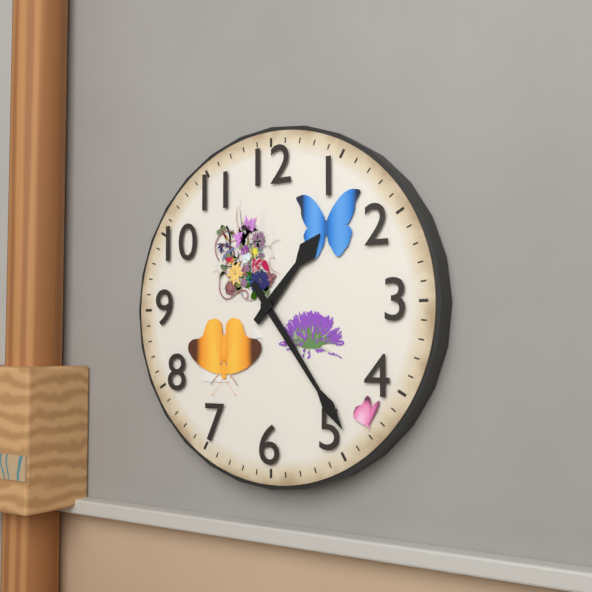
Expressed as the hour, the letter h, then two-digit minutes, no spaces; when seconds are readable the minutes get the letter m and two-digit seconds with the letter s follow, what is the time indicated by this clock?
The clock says 1h24
